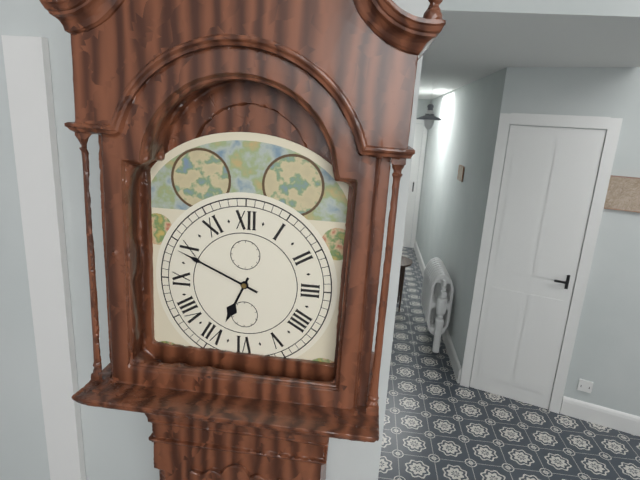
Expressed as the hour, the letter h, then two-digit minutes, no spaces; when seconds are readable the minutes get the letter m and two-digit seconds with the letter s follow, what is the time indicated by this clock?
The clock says 6h49
